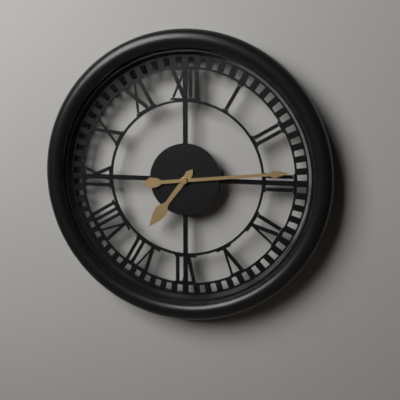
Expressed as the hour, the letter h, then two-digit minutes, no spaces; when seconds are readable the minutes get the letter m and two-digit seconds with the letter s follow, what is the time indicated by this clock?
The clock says 7h14
